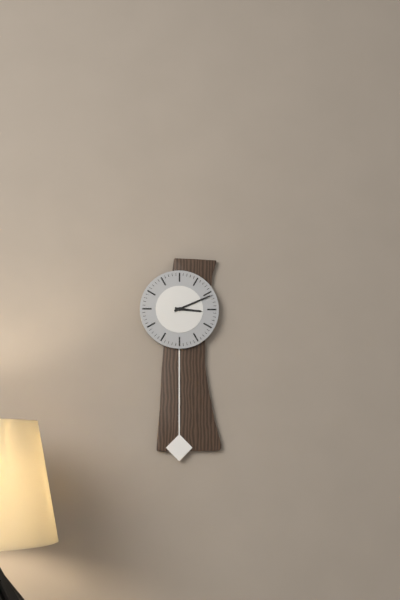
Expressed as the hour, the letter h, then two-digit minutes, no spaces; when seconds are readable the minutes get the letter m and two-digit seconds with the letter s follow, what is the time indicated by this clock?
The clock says 3h11
